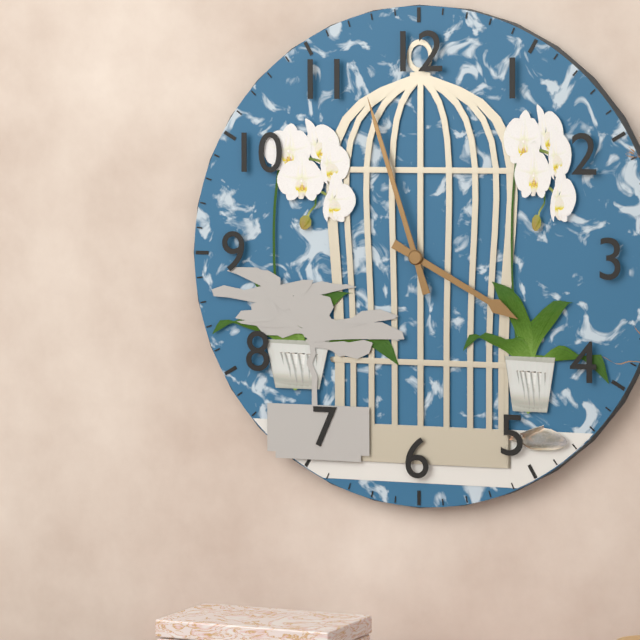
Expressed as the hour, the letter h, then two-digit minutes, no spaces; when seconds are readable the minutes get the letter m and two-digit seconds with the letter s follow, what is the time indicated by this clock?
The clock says 3h57
